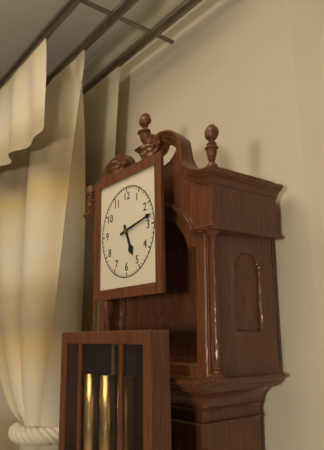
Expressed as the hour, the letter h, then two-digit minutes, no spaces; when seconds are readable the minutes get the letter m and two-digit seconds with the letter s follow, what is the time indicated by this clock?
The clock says 5h13
